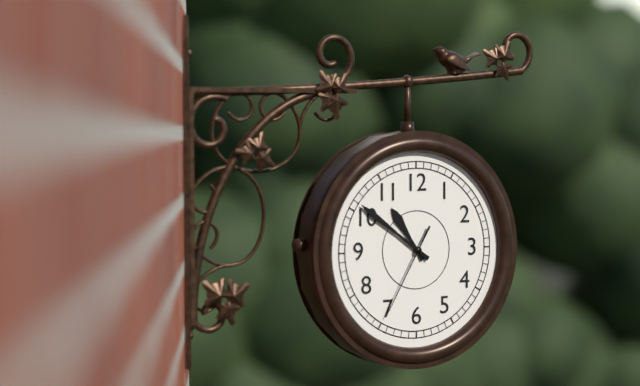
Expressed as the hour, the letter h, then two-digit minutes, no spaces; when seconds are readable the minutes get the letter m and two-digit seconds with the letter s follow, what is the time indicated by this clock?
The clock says 10h51m35s
